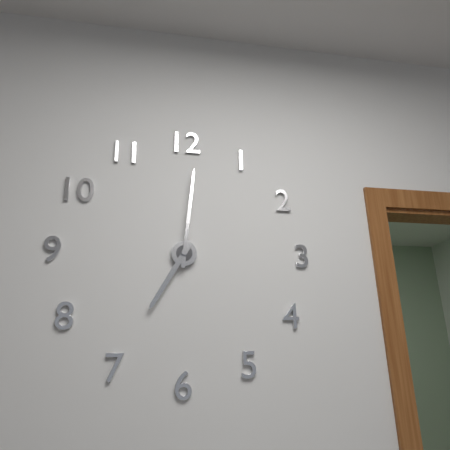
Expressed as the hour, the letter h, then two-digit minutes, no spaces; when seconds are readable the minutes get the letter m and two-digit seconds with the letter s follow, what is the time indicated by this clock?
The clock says 7h01
